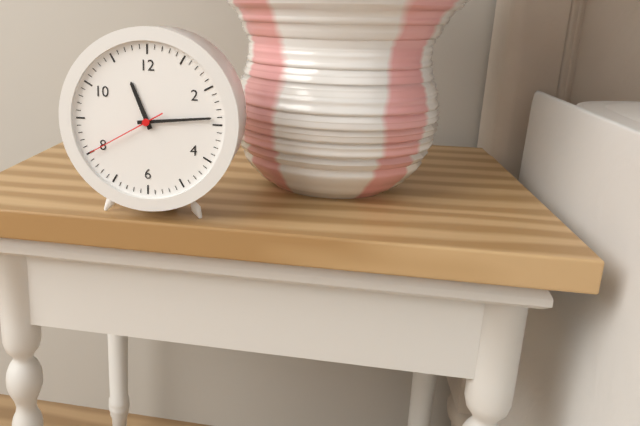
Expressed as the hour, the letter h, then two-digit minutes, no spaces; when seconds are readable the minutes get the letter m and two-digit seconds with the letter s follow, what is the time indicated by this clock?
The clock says 11h14m40s
